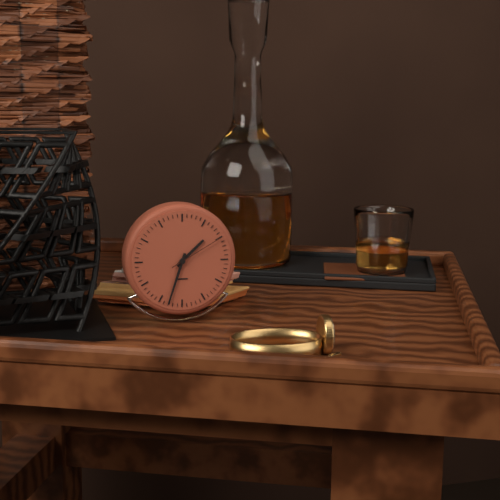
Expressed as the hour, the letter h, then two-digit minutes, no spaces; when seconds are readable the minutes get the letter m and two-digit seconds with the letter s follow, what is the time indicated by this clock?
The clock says 1h33m10s
